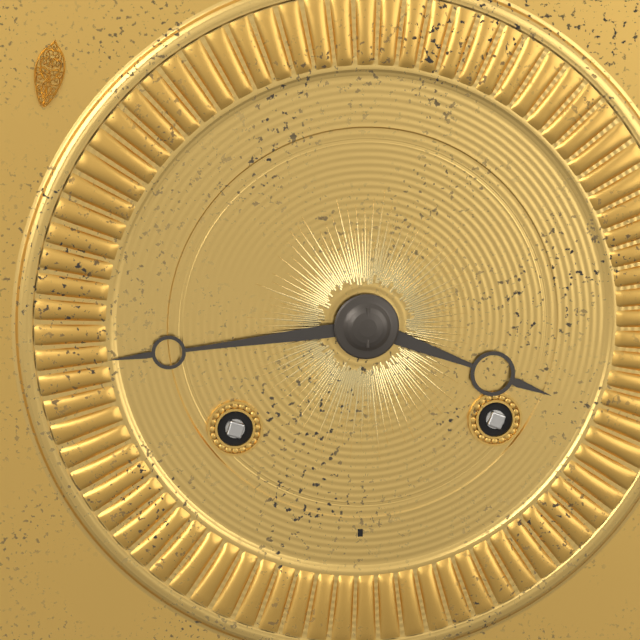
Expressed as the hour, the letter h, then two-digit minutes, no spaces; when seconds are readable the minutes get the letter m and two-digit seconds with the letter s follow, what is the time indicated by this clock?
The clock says 3h44
